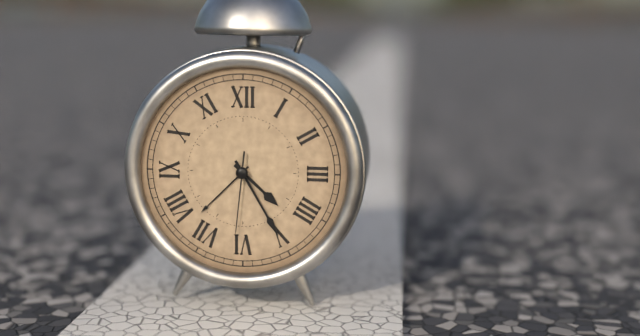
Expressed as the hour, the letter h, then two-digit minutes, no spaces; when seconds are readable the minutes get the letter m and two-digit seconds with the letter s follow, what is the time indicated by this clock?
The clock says 4h25m31s
